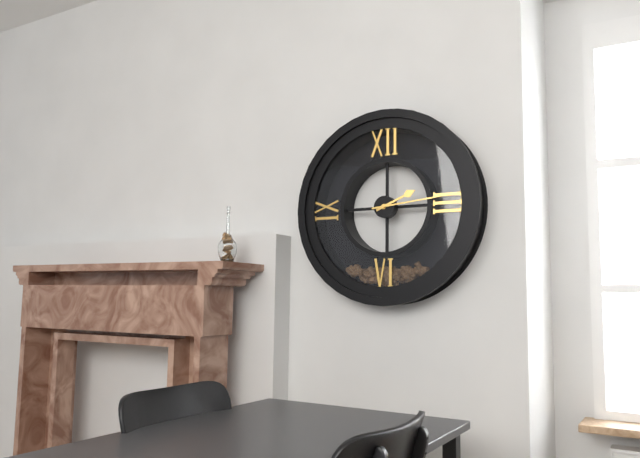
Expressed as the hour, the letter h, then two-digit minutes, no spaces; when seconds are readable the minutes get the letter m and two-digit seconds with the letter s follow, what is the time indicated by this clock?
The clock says 2h14
